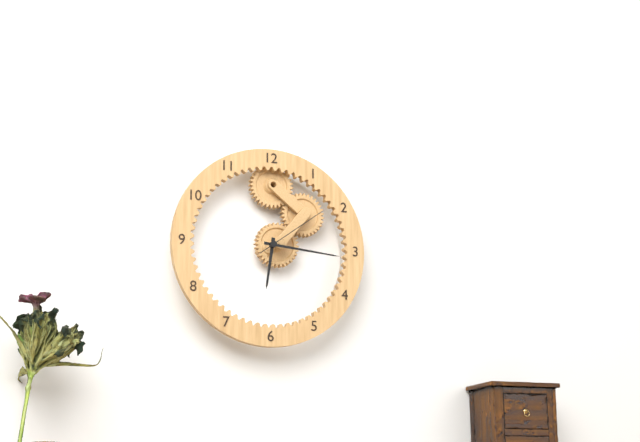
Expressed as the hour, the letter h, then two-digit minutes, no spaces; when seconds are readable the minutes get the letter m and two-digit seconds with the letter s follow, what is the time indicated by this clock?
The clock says 6h16m09s
